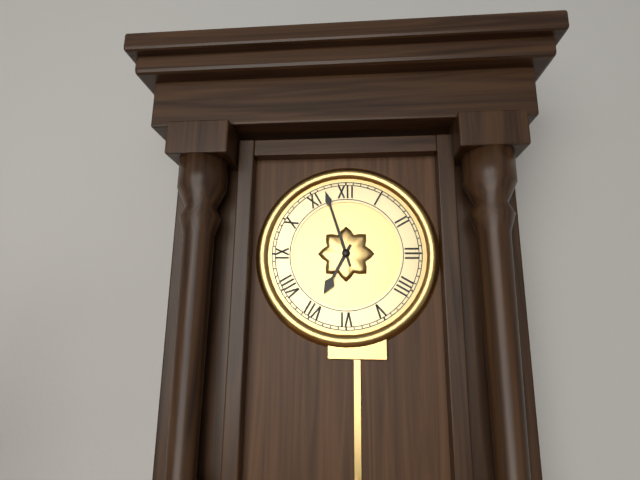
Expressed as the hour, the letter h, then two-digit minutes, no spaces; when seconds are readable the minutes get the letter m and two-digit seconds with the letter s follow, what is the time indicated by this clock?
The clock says 6h57
